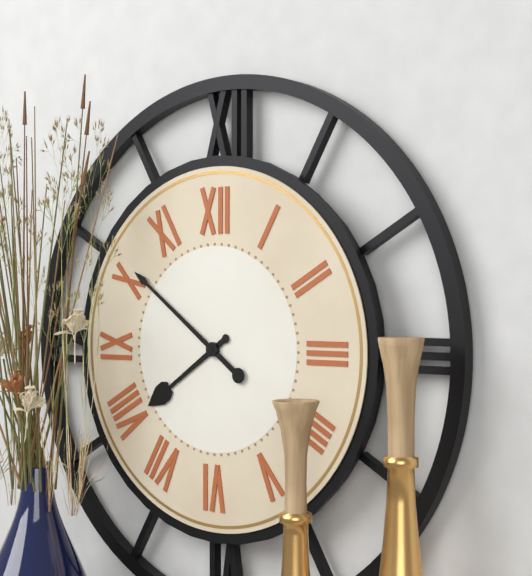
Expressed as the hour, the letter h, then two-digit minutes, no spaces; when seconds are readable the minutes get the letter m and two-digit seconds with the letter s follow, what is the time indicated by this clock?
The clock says 7h51
